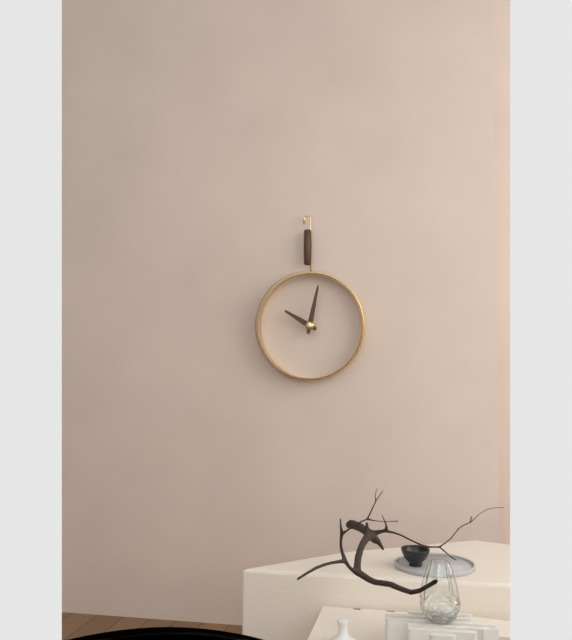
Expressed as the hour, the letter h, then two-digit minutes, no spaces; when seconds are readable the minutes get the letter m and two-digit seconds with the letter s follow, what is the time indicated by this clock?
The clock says 10h02
